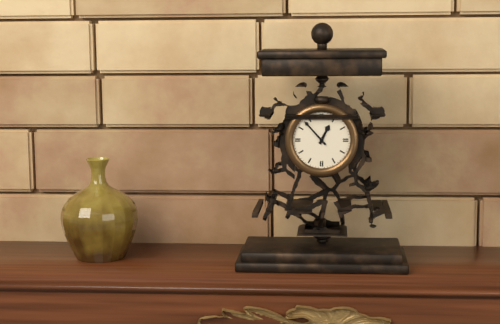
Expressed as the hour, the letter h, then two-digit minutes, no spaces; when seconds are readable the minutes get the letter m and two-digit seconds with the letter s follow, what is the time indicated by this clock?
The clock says 12h53
